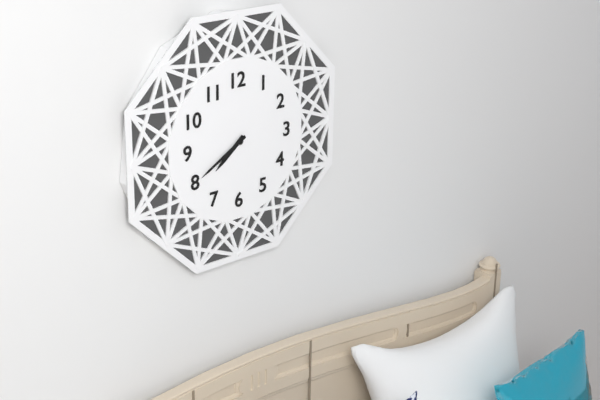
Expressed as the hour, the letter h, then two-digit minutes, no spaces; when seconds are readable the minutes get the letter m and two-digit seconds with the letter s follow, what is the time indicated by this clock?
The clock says 7h40
